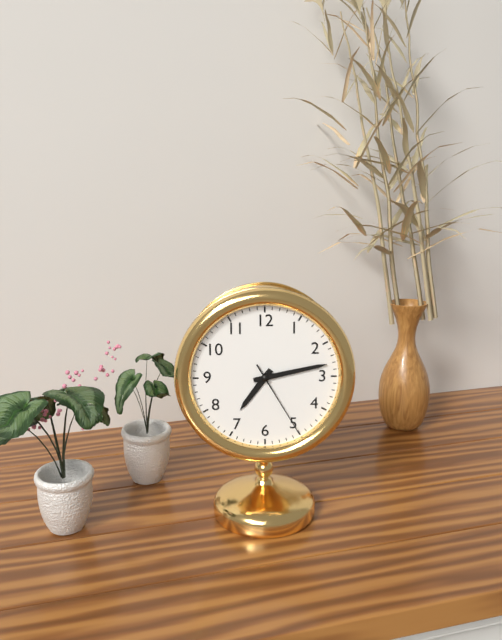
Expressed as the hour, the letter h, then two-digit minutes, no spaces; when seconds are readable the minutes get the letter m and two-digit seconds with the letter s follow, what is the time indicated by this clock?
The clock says 7h13m25s
